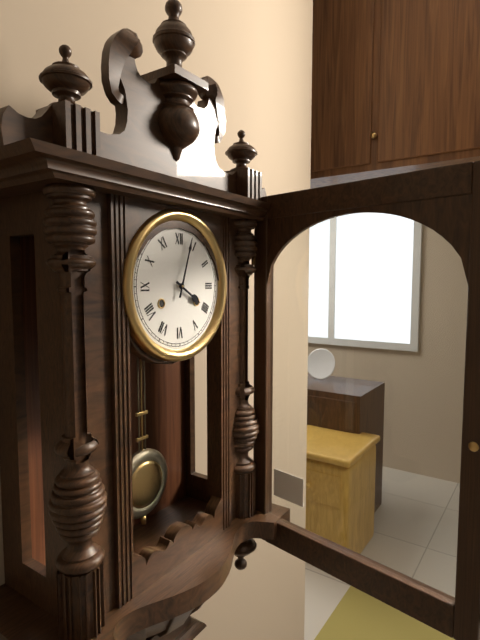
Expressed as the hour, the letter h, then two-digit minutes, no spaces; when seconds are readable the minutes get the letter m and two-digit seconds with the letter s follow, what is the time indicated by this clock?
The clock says 4h03
